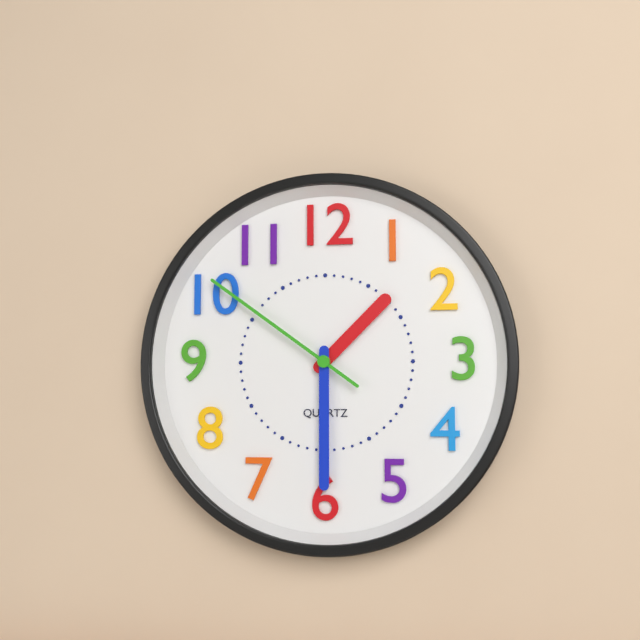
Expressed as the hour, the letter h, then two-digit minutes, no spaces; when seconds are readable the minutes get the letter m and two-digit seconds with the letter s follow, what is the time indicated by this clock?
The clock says 1h30m51s
